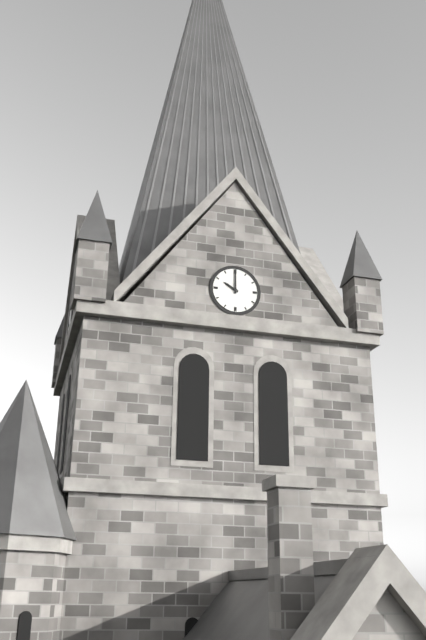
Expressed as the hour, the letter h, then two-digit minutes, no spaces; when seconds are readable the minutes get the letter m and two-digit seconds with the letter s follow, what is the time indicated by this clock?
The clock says 10h00
